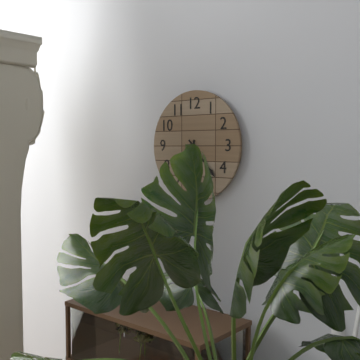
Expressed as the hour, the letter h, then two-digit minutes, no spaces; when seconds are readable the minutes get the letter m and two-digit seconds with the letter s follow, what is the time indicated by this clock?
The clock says 6h23
